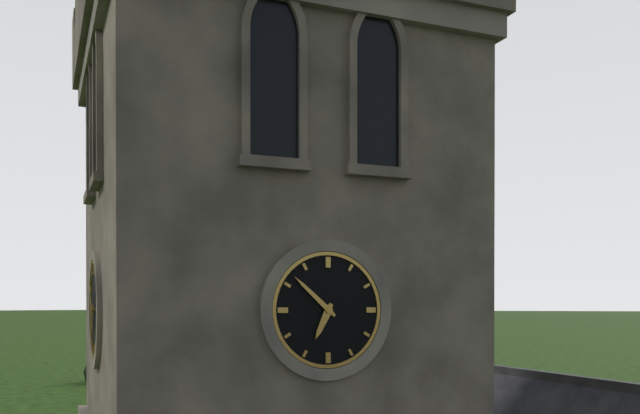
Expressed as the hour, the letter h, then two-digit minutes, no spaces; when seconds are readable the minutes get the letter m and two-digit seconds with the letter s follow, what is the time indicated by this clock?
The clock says 6h52
